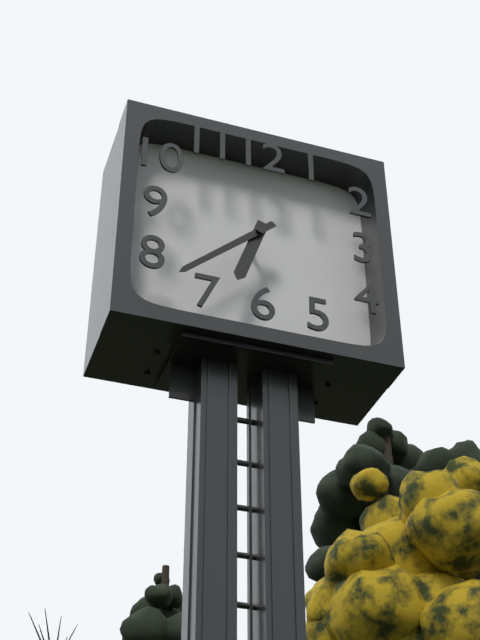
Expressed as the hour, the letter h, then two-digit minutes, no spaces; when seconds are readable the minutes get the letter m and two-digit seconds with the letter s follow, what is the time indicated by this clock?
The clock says 6h38
